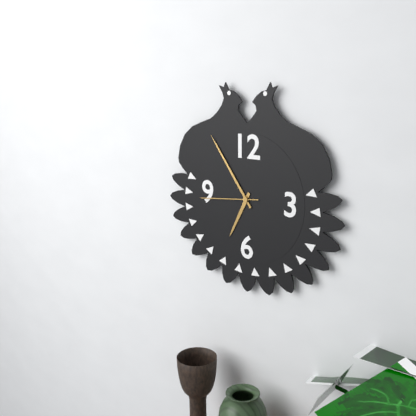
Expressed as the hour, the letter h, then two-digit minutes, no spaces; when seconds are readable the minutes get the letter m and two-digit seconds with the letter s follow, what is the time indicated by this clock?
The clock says 6h54m44s
